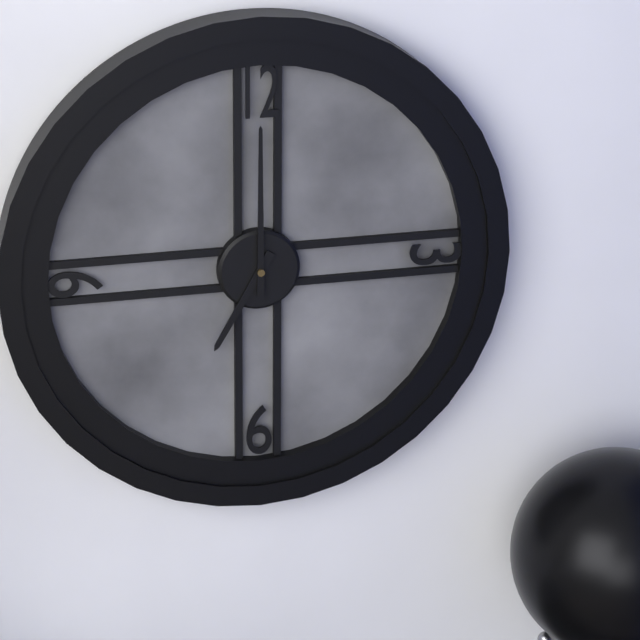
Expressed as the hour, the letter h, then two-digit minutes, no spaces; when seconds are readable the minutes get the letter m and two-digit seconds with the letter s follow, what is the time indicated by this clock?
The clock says 7h00
